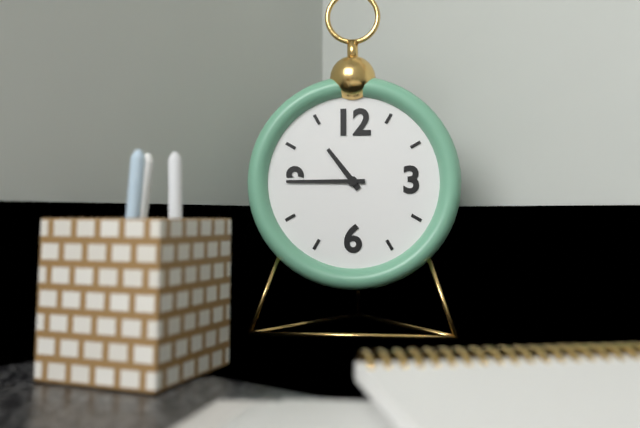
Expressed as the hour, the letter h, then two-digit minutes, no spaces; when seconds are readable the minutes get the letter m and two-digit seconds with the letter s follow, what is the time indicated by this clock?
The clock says 10h45
